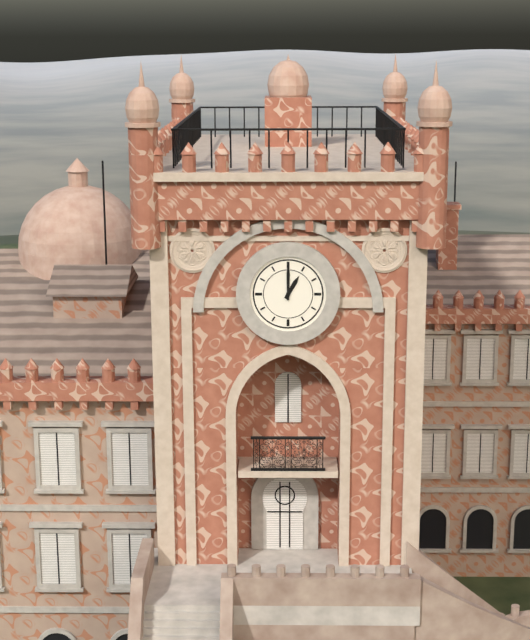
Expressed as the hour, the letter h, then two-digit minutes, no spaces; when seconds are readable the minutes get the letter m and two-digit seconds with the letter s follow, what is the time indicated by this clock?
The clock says 1h00
